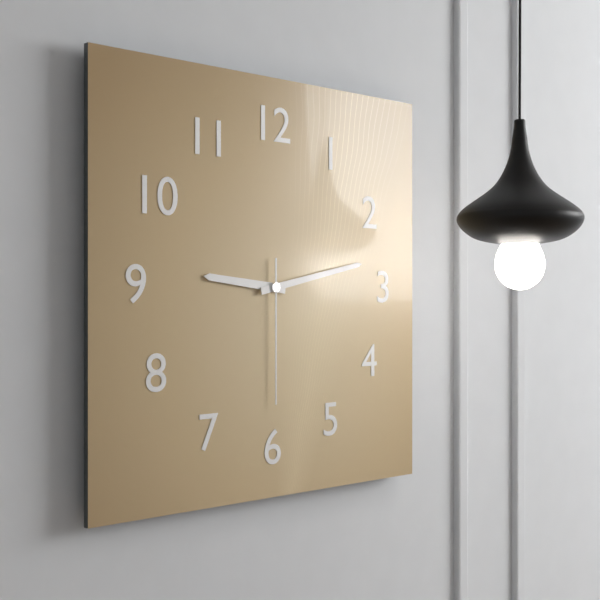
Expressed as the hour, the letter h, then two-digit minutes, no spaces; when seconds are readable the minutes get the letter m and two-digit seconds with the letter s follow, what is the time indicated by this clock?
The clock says 9h13m30s
